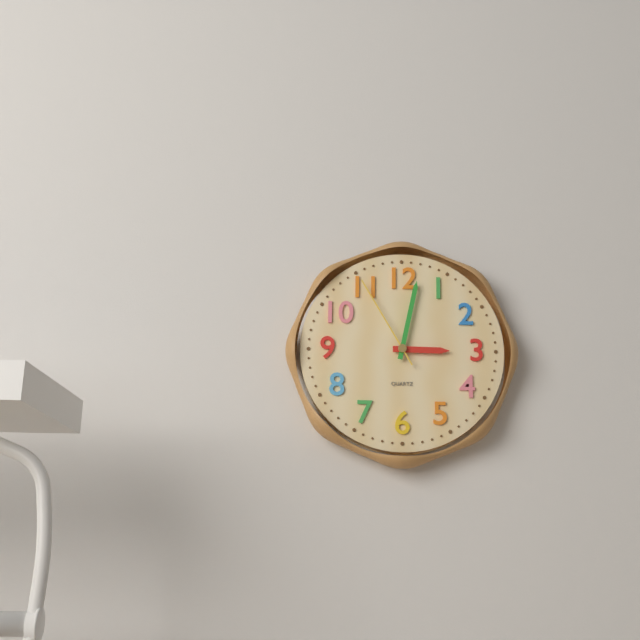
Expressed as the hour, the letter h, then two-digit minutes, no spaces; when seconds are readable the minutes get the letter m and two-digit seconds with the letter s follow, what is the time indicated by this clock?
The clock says 3h02m55s
